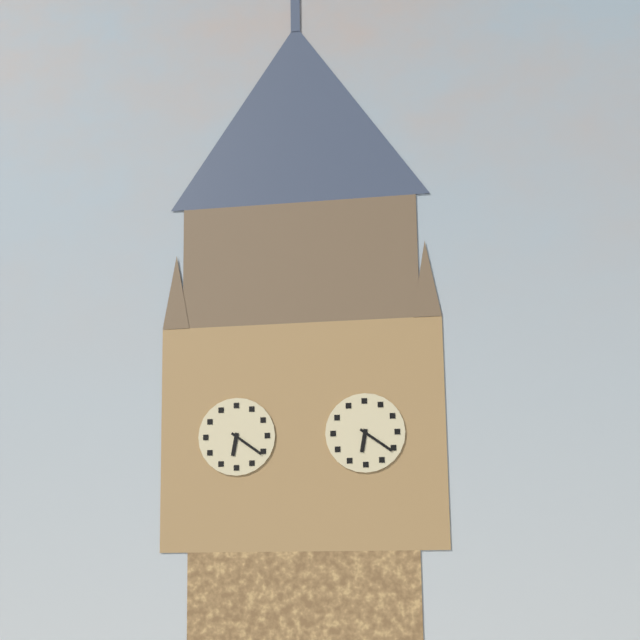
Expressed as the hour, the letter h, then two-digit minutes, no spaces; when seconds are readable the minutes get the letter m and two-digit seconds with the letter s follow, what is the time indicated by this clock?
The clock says 6h21
